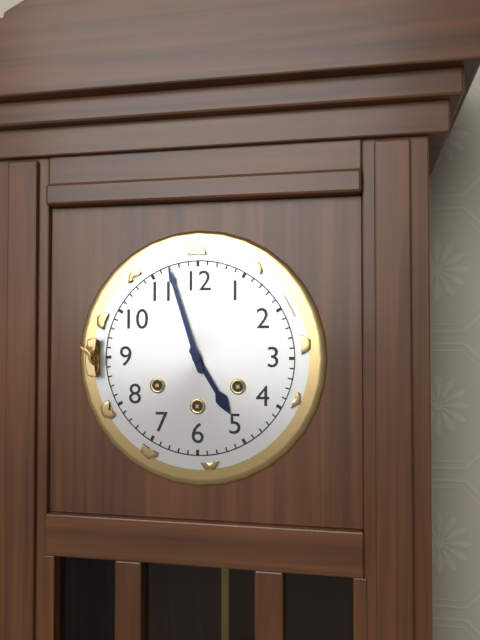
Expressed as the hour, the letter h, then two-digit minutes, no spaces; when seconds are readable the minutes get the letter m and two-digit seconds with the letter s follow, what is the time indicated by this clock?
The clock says 4h57
